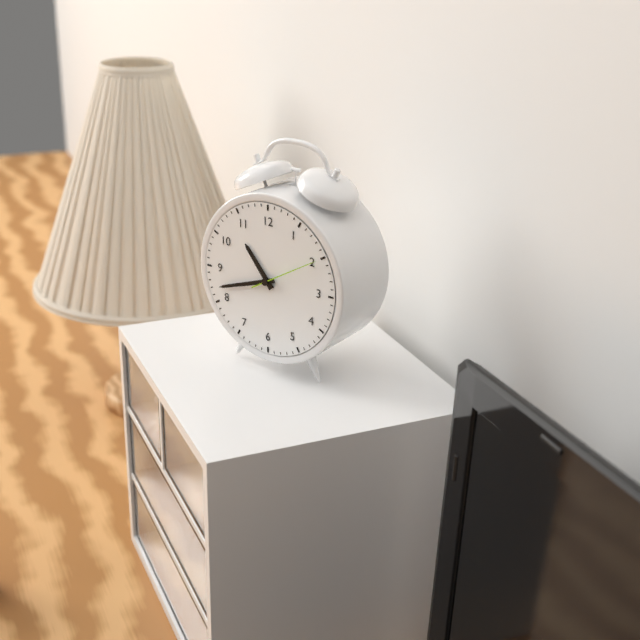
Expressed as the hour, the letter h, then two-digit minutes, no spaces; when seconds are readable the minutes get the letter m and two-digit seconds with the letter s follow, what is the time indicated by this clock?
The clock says 10h42m10s
